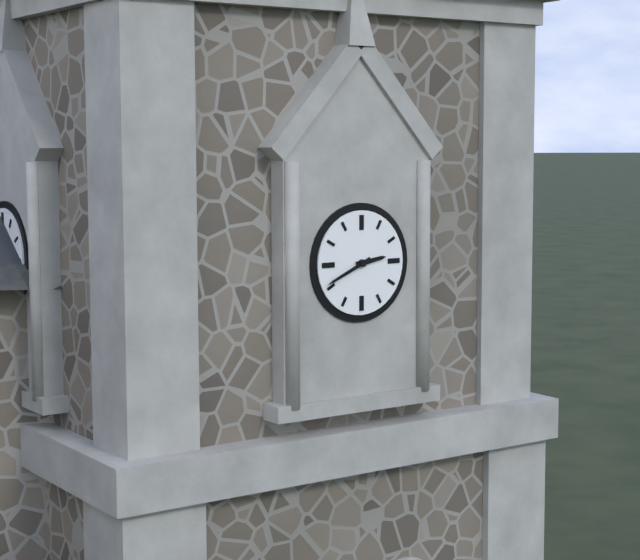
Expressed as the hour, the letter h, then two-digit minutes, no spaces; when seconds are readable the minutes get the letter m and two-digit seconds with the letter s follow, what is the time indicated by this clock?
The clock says 2h41
